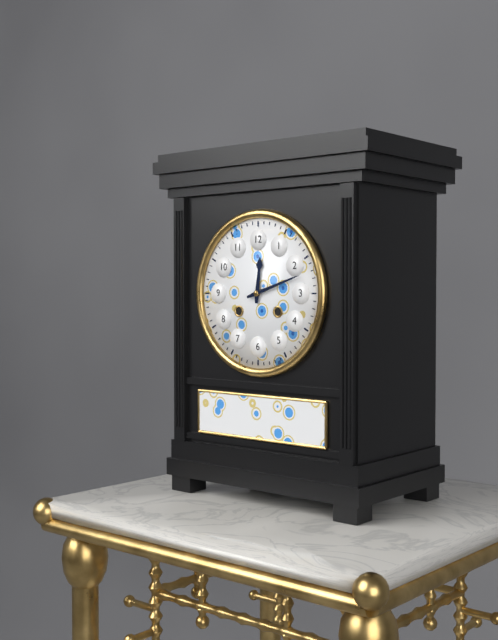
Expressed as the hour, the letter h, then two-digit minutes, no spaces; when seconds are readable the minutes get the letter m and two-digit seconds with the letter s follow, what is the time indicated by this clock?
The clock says 12h12
